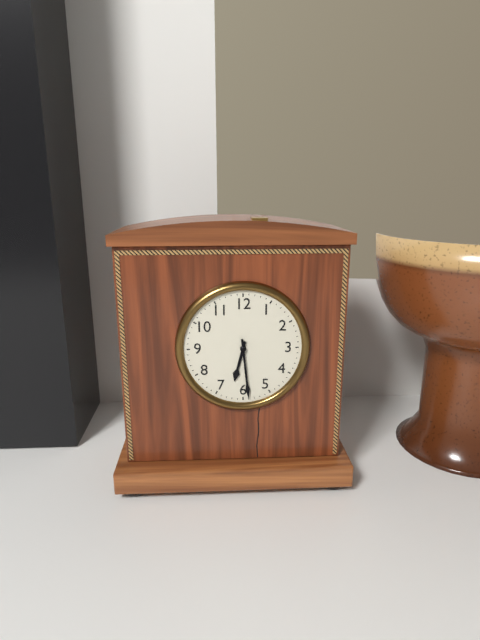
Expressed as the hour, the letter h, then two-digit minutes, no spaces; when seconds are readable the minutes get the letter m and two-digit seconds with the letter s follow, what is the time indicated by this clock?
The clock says 6h29
